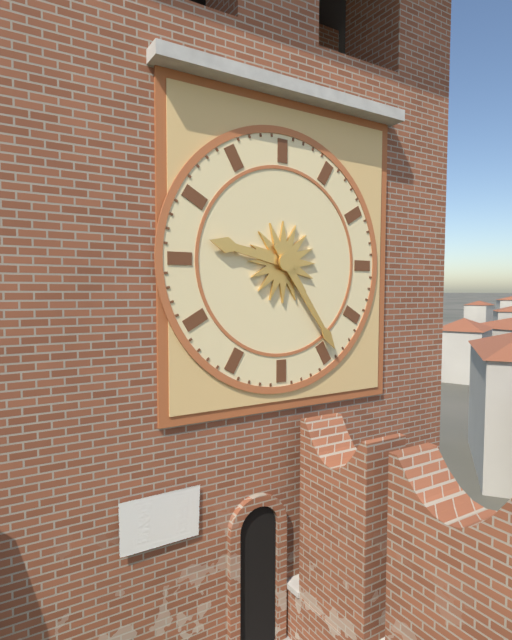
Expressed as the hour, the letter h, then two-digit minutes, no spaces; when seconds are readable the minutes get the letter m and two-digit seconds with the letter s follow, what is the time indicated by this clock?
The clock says 9h24
